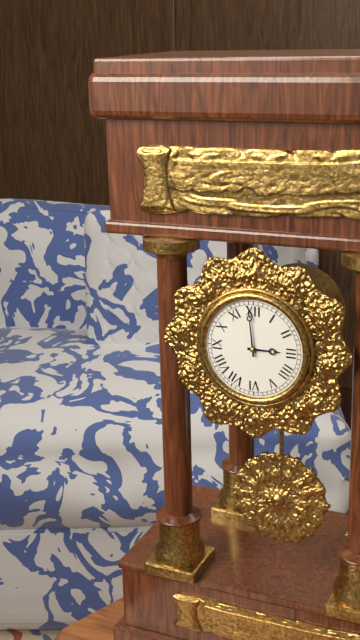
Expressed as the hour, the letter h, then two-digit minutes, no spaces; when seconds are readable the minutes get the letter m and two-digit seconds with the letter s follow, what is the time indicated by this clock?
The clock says 2h59
